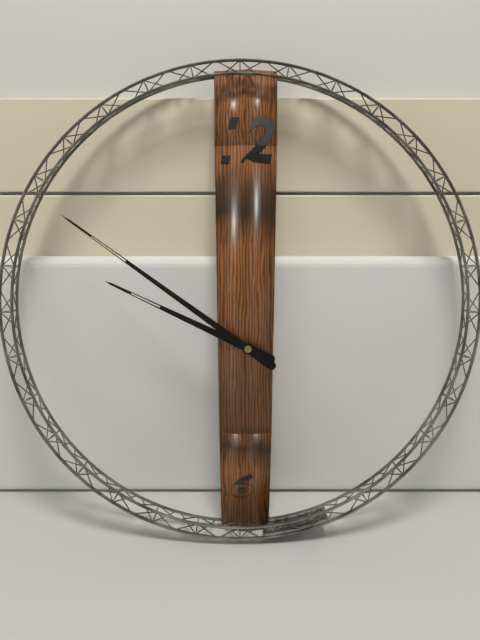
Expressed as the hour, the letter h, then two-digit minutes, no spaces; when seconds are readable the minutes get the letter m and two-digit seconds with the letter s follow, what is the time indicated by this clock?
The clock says 9h51
